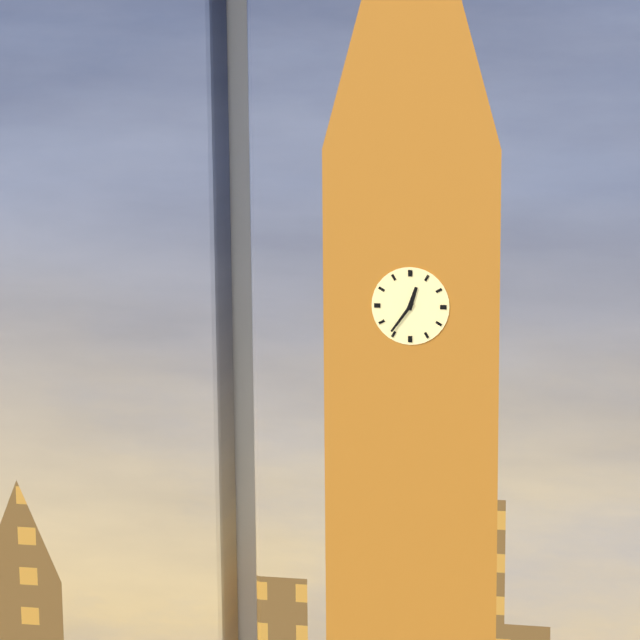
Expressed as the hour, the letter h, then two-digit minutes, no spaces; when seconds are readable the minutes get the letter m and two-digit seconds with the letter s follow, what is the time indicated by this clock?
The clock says 12h36
